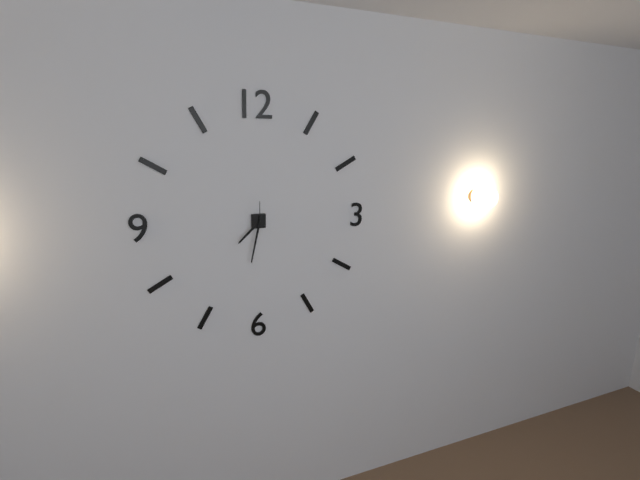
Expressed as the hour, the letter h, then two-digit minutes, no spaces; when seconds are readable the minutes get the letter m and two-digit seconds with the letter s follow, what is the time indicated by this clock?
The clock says 7h32
